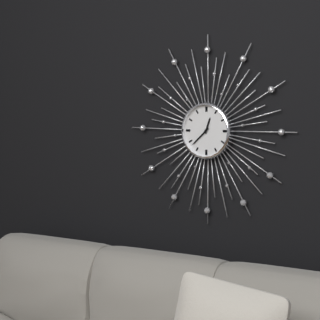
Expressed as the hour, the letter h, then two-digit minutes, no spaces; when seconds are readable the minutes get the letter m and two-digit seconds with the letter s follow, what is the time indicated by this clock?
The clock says 12h38
